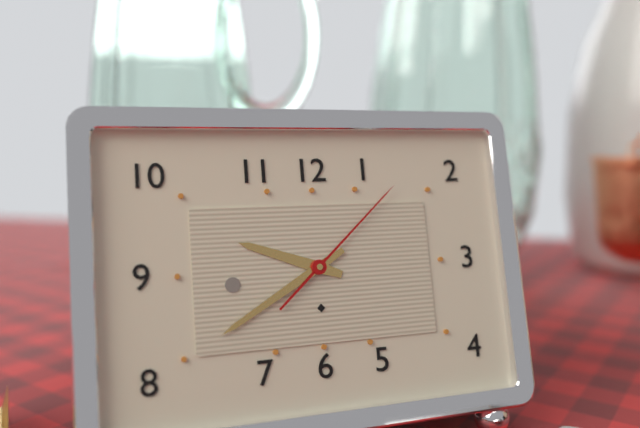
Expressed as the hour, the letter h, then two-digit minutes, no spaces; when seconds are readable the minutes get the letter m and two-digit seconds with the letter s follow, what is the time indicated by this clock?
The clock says 9h40m08s
